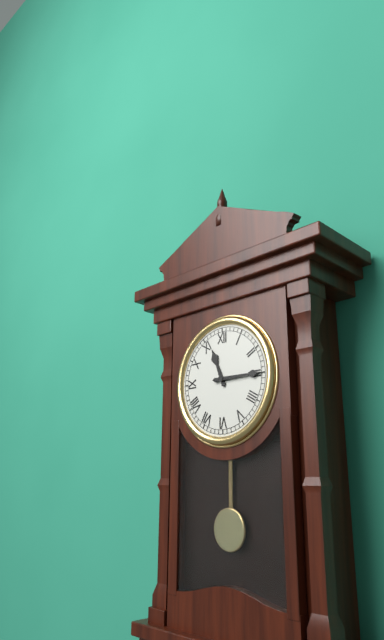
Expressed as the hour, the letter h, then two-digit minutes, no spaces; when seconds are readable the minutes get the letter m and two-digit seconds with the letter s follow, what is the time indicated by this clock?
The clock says 11h15
